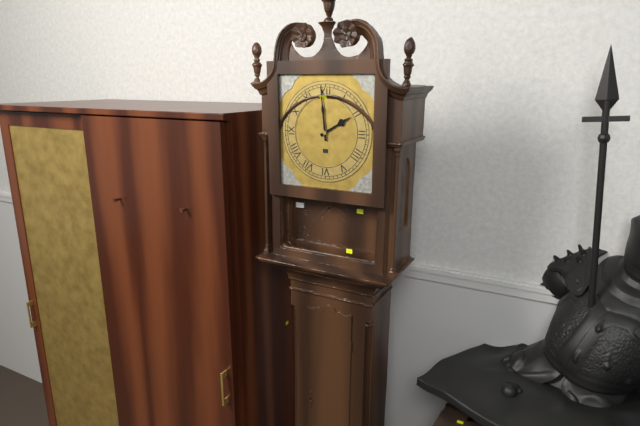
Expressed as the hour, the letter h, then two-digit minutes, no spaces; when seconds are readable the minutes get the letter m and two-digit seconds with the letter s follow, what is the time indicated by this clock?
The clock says 1h59
